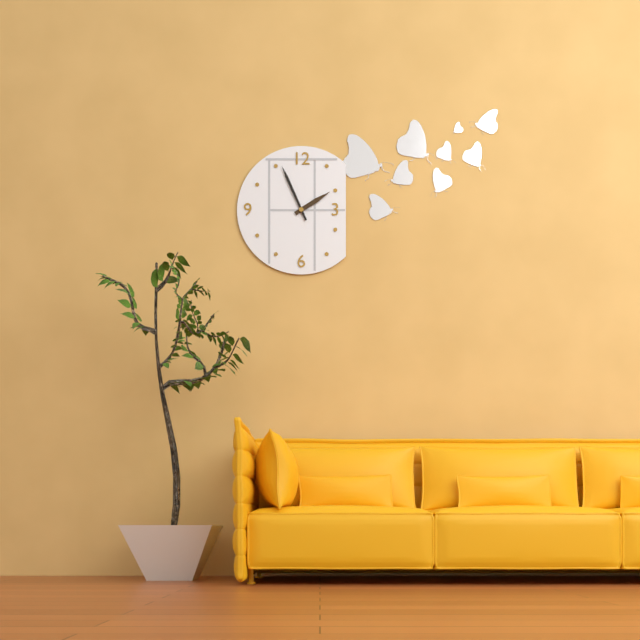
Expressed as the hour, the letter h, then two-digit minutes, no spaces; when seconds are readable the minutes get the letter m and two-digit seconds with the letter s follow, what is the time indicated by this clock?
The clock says 1h56
